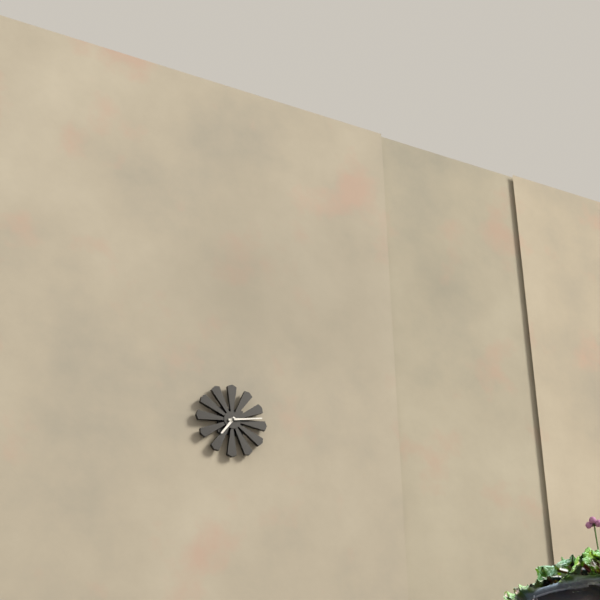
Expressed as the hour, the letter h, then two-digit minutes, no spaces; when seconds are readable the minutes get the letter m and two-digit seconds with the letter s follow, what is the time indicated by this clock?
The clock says 7h13
